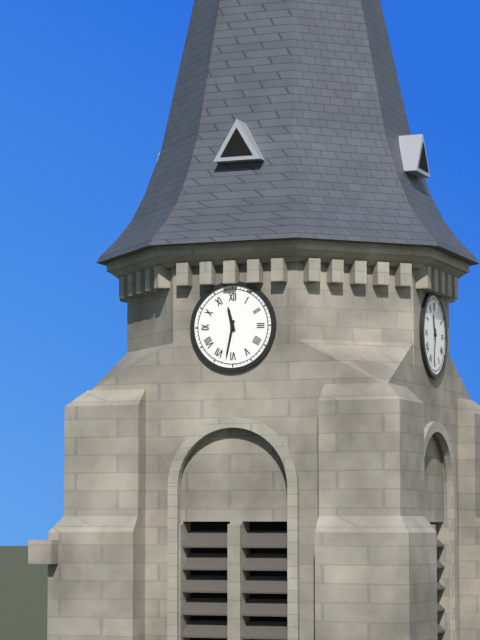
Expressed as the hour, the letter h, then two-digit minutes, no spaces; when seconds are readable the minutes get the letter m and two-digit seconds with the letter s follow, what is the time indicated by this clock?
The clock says 11h32
